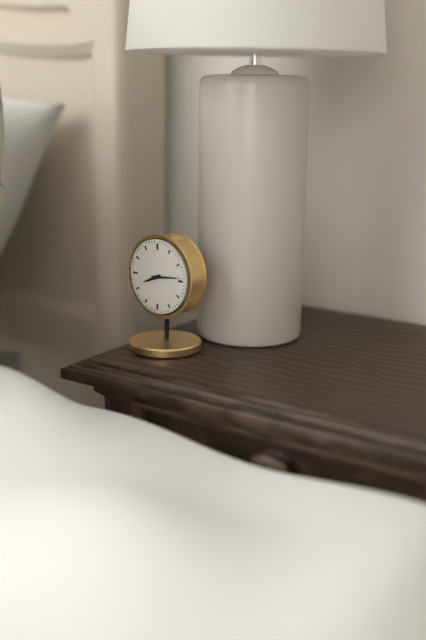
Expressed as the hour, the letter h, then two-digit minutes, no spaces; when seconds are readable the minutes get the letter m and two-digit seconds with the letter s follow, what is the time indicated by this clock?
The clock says 8h14
